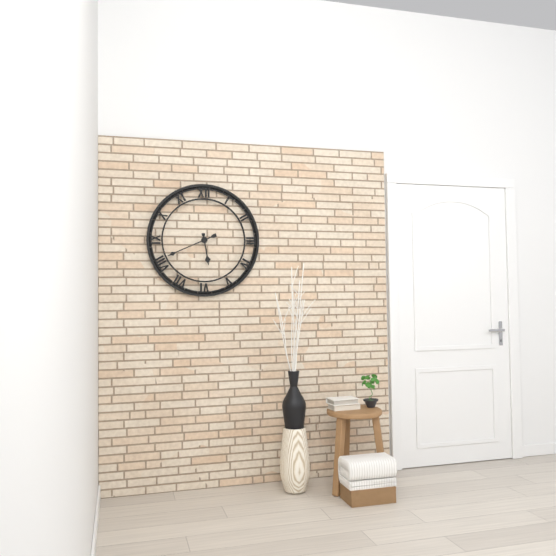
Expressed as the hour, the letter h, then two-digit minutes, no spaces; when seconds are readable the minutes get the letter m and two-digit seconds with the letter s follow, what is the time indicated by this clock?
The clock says 5h41
